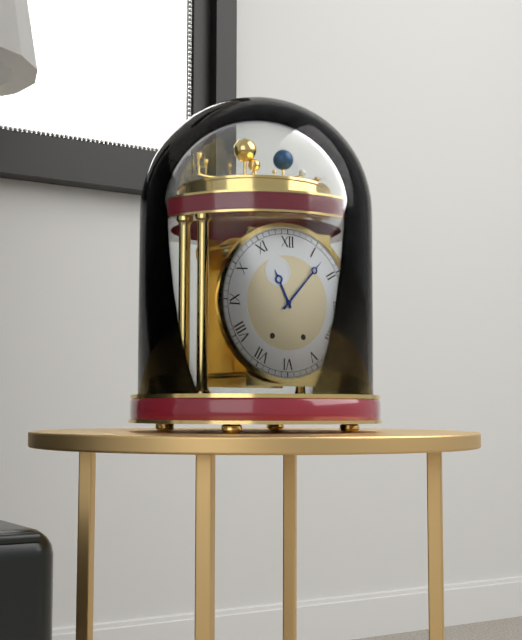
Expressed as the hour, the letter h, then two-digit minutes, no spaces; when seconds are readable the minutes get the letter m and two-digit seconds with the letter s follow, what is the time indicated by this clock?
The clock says 11h07
